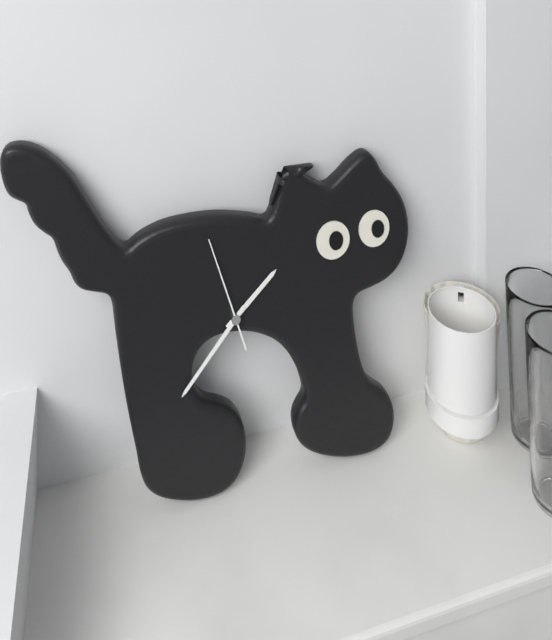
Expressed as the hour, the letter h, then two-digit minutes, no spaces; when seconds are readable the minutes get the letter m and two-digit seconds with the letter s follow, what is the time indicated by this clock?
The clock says 1h37m57s
